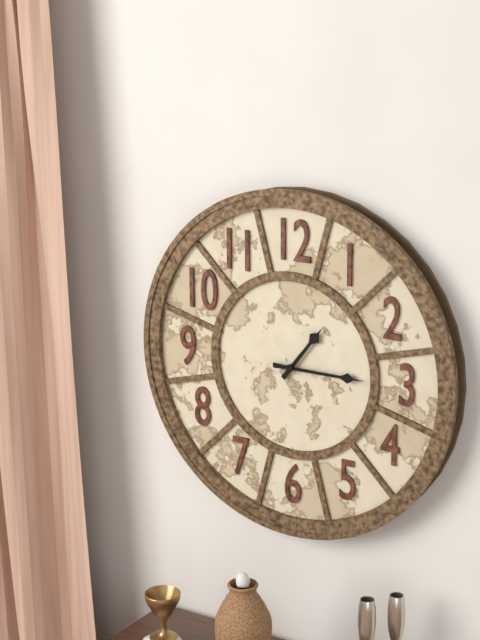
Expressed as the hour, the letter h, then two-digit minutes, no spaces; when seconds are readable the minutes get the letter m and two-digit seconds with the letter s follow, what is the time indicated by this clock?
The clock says 1h15
